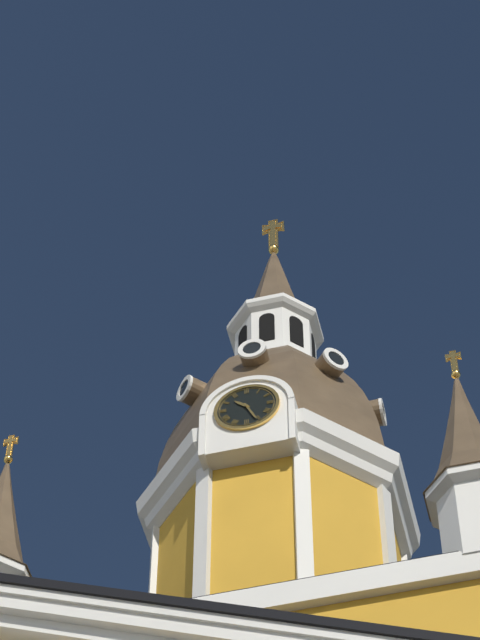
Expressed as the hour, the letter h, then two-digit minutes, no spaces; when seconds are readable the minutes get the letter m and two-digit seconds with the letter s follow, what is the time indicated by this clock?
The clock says 10h26
